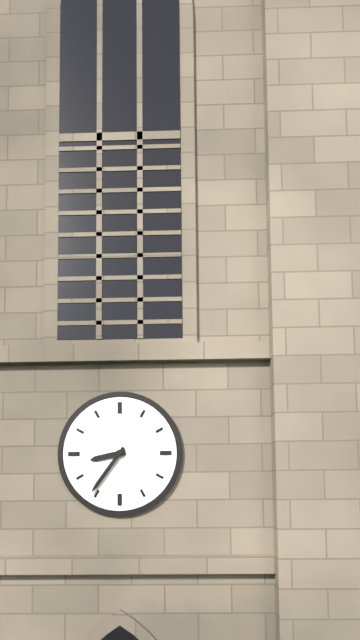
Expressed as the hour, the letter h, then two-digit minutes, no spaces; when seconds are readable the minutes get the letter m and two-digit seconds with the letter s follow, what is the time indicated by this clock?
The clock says 8h36
